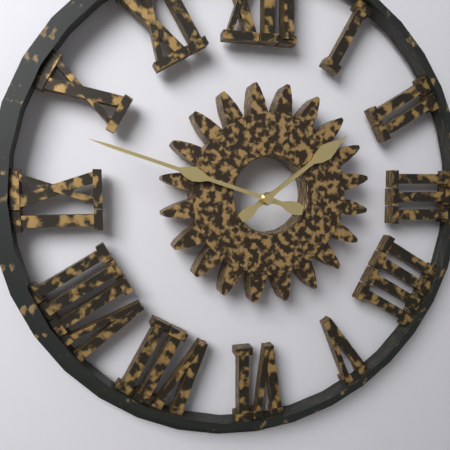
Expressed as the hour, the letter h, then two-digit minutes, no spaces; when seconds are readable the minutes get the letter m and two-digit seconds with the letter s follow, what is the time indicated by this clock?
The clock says 1h48
